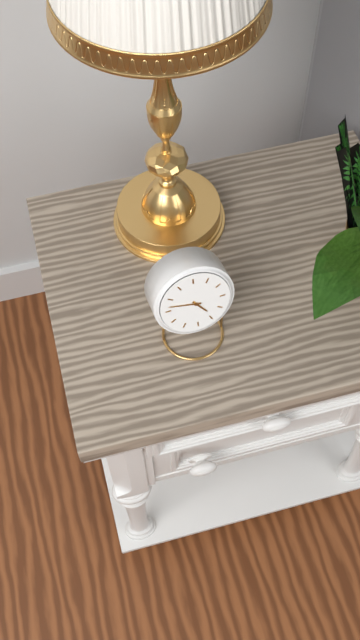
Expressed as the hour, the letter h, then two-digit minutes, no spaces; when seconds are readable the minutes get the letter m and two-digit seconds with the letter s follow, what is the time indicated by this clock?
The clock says 4h47
